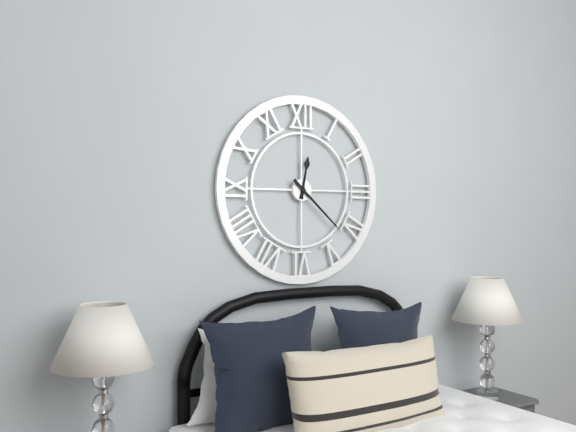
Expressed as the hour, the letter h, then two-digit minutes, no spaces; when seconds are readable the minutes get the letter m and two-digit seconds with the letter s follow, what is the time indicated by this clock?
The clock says 12h22
